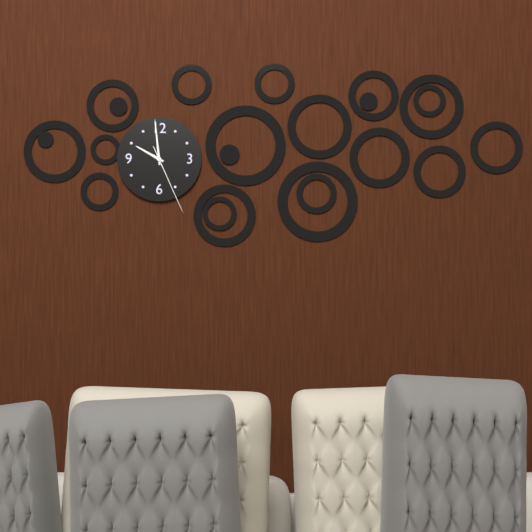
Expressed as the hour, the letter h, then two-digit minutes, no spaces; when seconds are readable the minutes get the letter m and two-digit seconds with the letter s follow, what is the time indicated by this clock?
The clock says 9h59m26s
